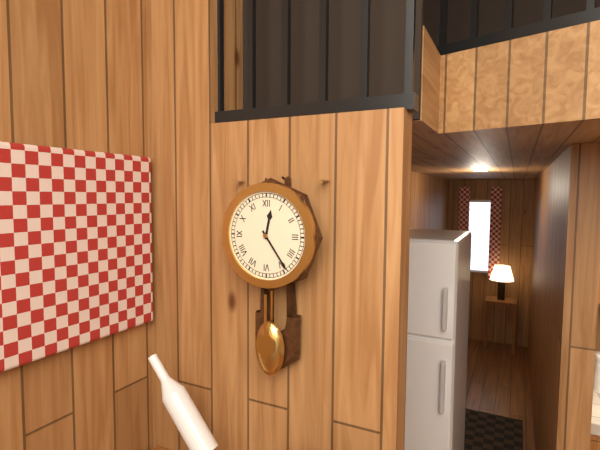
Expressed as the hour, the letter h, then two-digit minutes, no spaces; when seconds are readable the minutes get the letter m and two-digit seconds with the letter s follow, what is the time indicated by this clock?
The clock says 12h24
